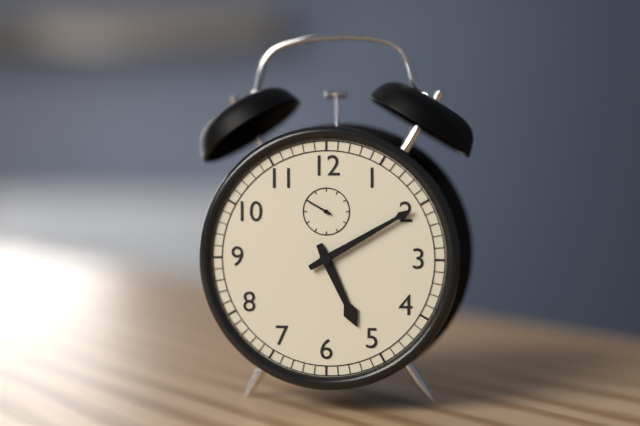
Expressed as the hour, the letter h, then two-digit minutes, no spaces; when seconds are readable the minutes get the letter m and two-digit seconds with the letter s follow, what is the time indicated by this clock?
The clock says 5h10
